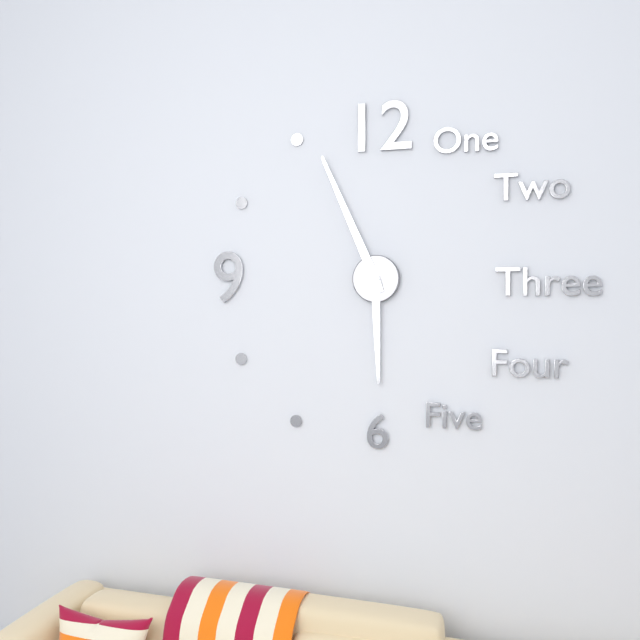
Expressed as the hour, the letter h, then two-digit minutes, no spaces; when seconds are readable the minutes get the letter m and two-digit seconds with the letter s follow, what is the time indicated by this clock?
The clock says 5h56
